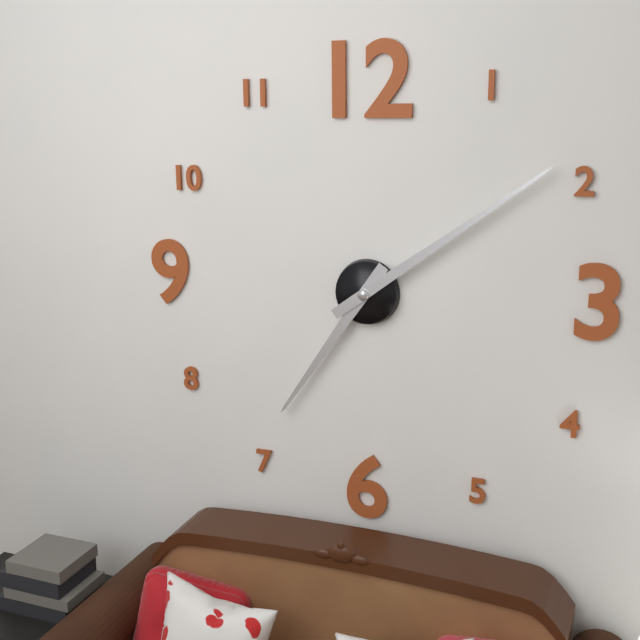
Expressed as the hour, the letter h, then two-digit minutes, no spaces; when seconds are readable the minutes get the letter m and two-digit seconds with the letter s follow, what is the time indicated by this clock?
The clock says 7h09
